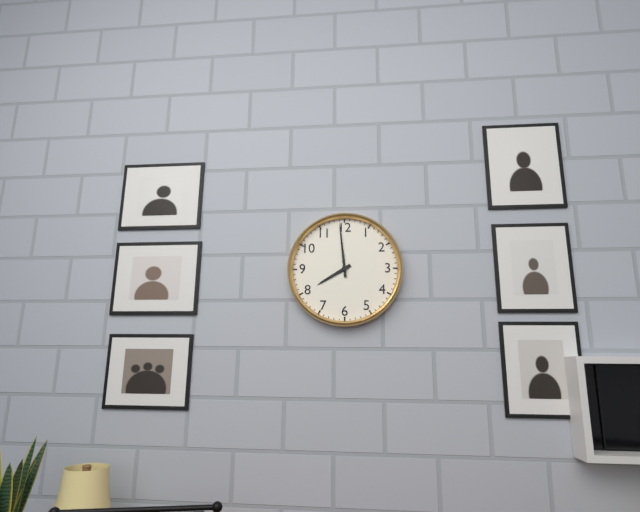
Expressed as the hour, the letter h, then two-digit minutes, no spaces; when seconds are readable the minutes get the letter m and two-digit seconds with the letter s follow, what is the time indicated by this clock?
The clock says 7h59
